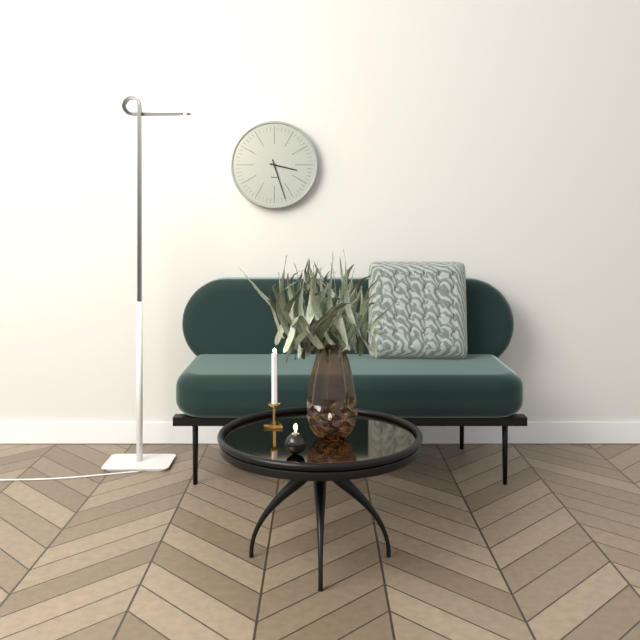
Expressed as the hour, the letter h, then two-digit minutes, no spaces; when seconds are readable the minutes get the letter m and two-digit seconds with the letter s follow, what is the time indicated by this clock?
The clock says 3h27
